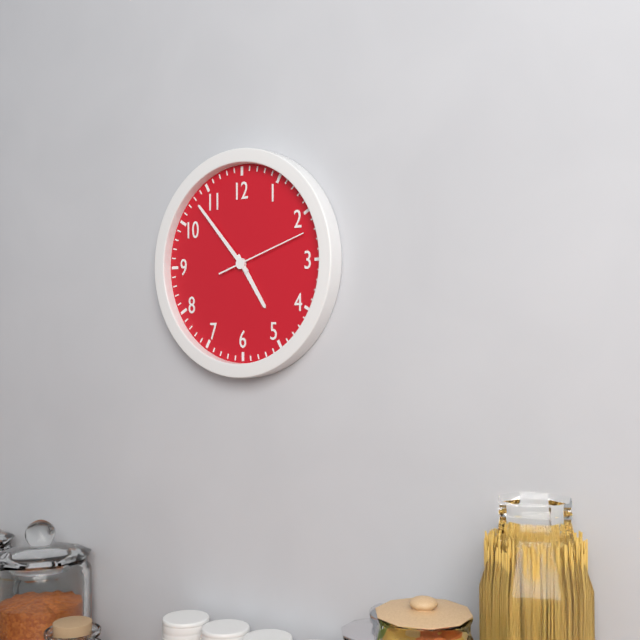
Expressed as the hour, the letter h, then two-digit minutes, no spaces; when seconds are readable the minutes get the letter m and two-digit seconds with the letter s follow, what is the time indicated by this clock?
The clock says 4h53m12s
